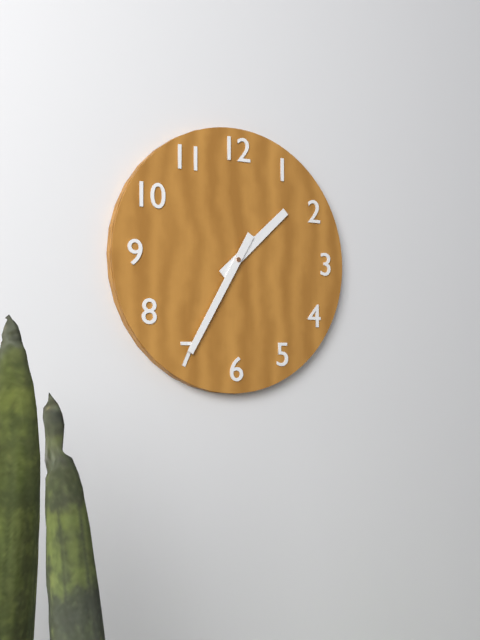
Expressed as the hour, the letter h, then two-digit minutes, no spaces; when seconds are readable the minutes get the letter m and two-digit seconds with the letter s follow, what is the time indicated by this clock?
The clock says 1h35
